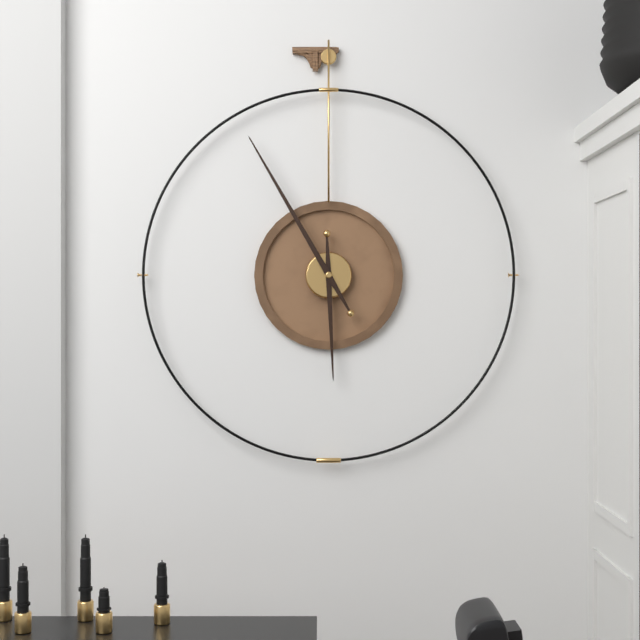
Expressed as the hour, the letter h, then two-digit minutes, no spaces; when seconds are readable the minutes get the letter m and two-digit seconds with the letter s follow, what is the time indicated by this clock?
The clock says 5h55
